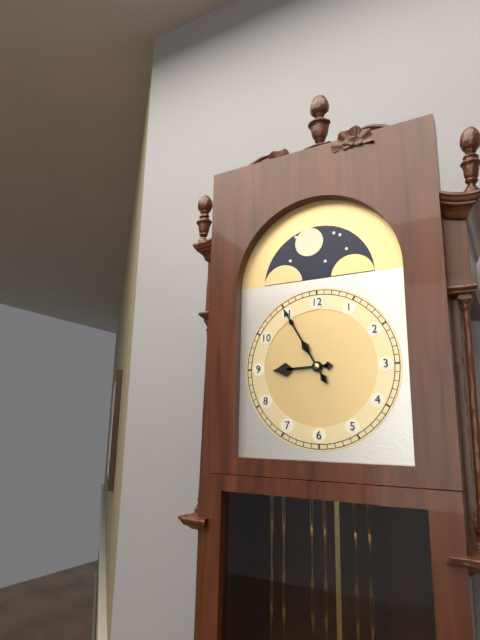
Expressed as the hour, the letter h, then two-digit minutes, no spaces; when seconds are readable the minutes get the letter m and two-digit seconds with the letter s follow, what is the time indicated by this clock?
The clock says 8h55
